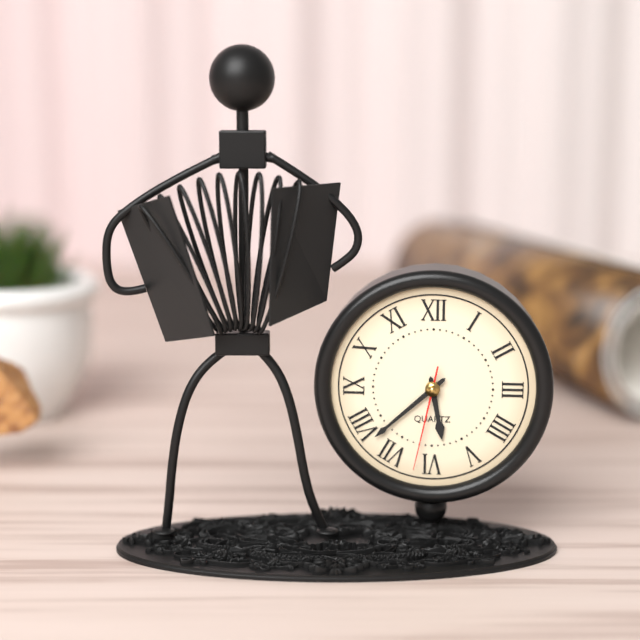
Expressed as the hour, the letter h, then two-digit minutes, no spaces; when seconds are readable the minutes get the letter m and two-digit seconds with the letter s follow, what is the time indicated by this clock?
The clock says 5h38m32s
